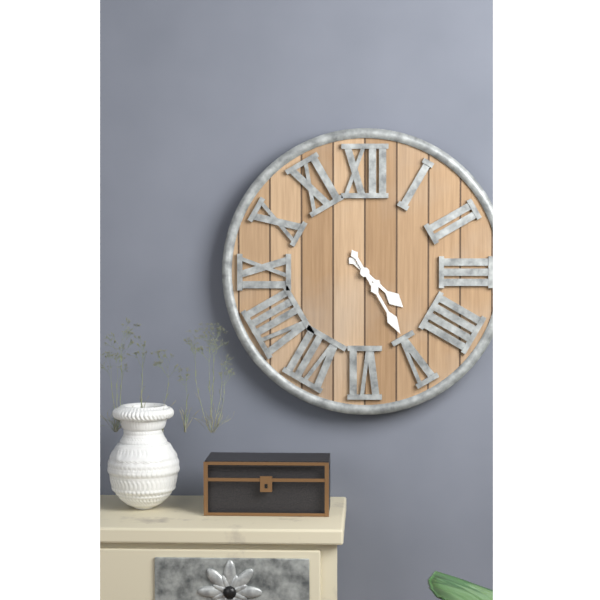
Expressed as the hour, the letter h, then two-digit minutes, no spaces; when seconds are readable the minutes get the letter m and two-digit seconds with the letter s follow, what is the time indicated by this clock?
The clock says 4h25
